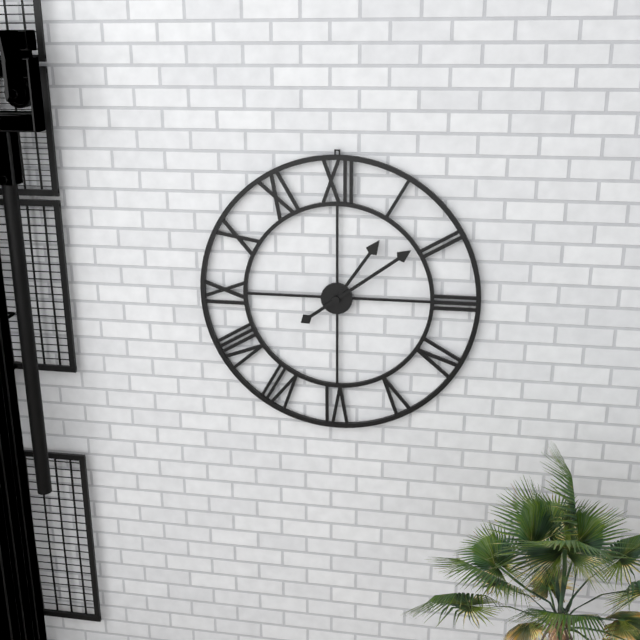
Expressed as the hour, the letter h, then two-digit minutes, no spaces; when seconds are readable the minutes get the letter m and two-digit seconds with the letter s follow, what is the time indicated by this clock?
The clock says 1h09
